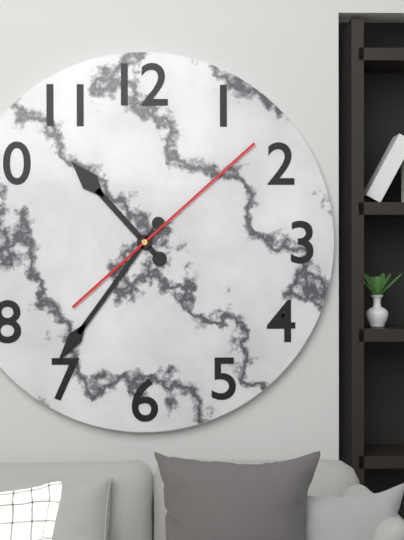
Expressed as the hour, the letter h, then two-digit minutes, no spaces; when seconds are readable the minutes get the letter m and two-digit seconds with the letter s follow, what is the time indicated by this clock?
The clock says 10h36m08s
